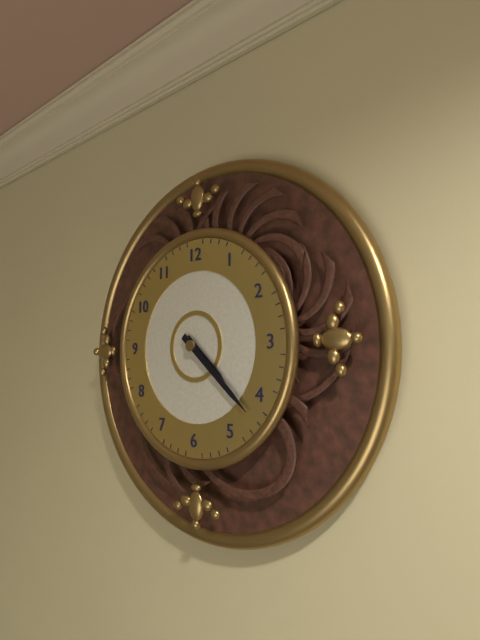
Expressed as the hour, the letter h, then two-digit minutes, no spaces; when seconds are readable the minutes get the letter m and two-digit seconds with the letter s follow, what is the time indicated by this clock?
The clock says 4h22
